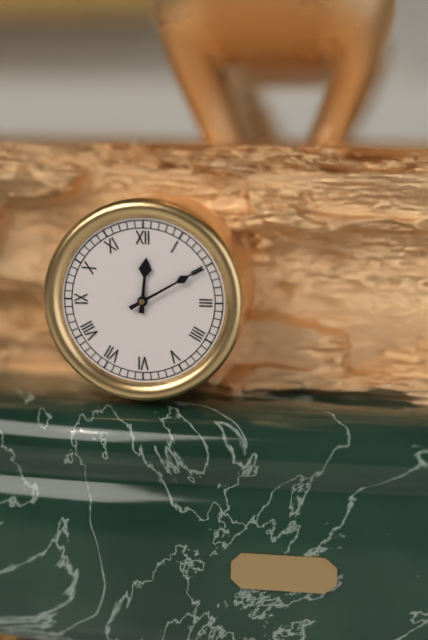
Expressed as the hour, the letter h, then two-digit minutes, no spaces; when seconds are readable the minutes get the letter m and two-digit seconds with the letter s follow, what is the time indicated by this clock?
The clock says 12h10
